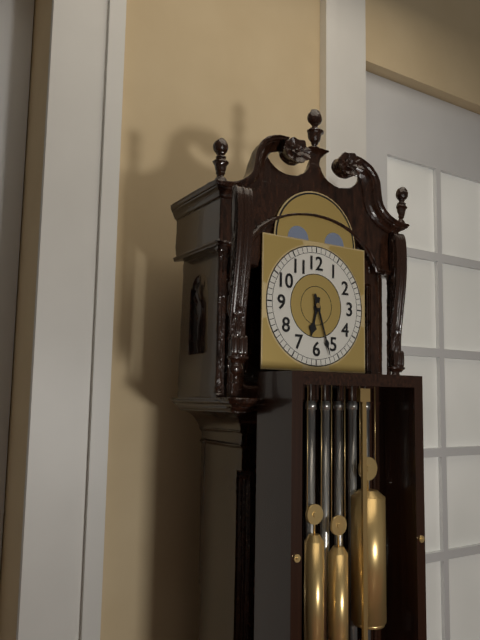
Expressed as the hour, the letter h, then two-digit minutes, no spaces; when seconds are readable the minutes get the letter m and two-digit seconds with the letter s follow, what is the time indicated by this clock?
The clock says 6h27
